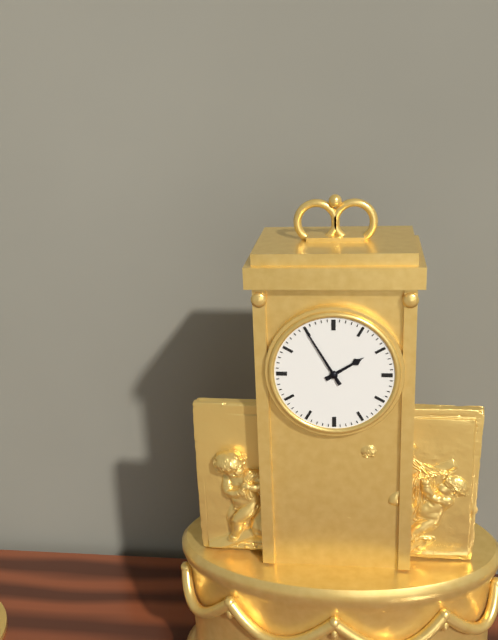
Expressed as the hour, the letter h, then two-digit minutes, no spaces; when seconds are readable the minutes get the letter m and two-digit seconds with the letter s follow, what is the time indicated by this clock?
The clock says 1h55
